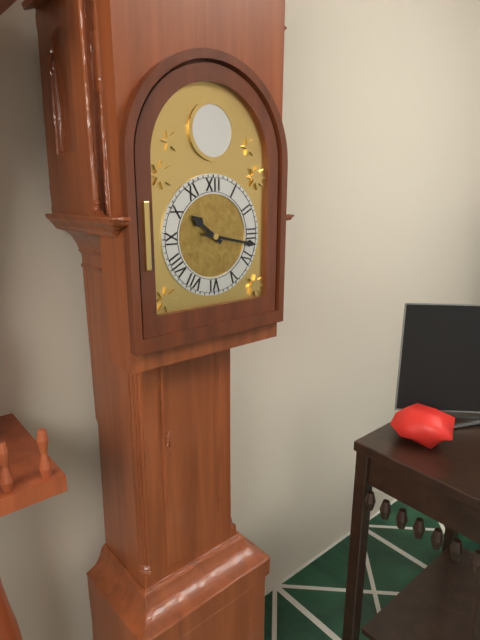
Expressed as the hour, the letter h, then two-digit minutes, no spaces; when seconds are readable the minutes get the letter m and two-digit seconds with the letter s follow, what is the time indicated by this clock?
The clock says 10h17
